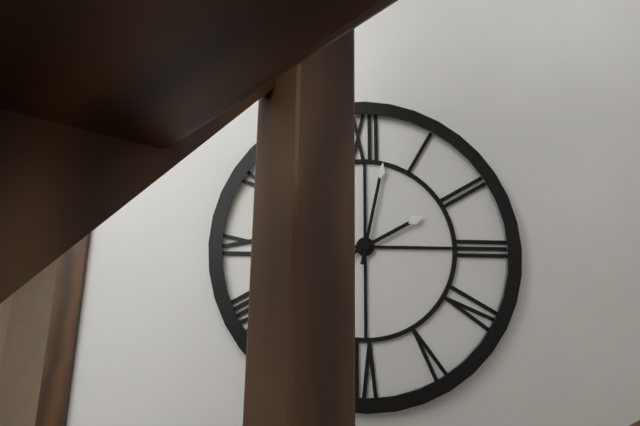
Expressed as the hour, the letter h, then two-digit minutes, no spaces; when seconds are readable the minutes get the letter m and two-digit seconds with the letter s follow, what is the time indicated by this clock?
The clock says 2h02
